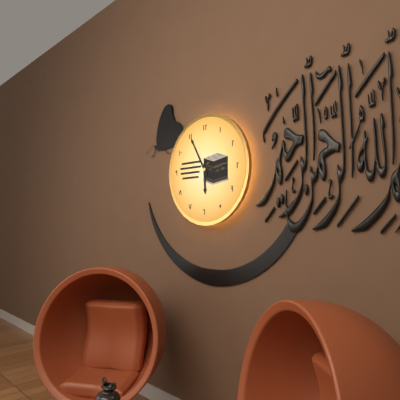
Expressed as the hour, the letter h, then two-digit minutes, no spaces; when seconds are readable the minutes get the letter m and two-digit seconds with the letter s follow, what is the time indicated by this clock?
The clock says 5h55
